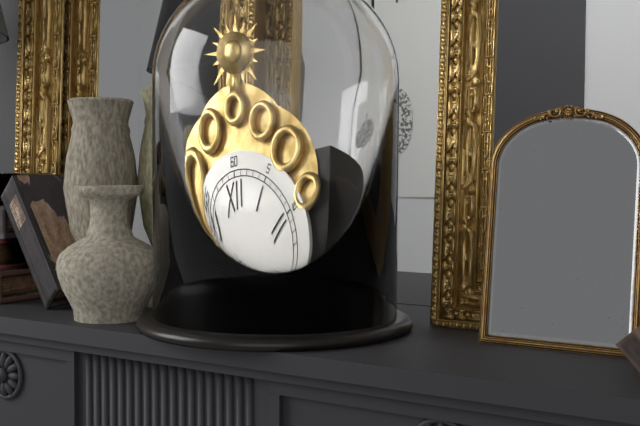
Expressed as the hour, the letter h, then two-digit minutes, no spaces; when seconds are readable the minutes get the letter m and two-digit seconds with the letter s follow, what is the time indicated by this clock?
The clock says 10h28
